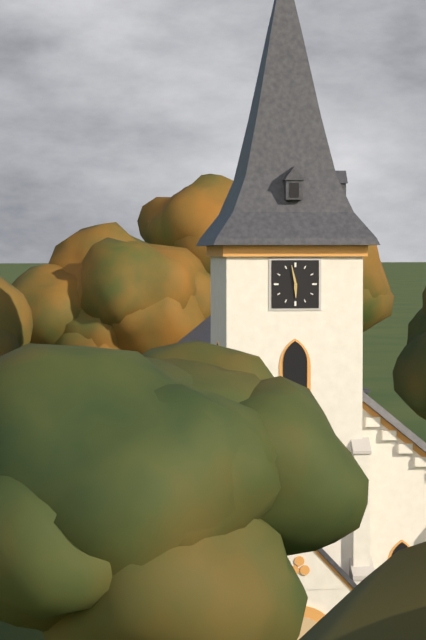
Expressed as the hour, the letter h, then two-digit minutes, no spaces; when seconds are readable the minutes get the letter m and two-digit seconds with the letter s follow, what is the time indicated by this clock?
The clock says 5h58
